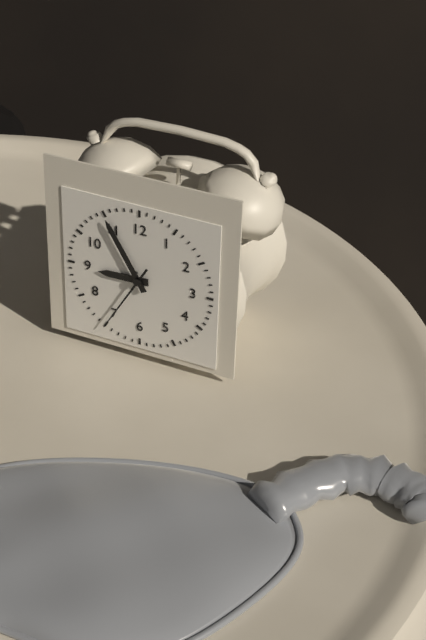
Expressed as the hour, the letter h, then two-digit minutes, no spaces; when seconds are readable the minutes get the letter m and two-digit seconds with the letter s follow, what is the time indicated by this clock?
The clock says 8h55m35s
